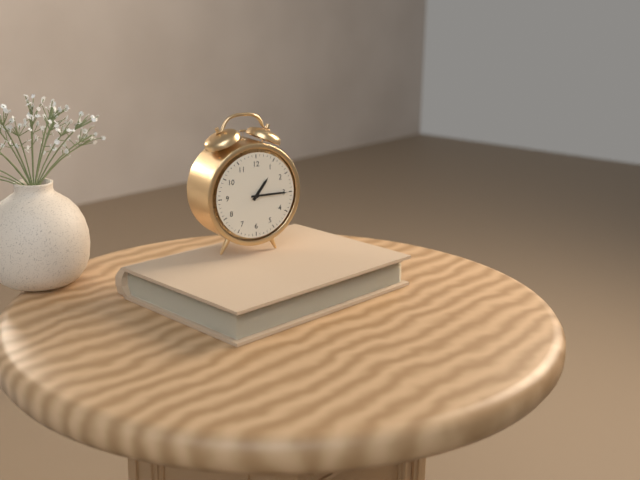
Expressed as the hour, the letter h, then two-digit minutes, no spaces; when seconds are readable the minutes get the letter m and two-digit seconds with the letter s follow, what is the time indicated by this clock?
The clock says 1h15
